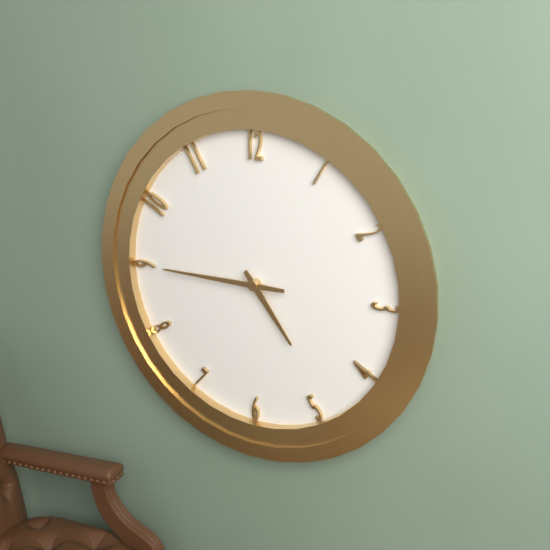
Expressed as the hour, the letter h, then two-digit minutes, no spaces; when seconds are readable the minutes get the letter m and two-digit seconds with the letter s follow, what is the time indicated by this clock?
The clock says 4h45
